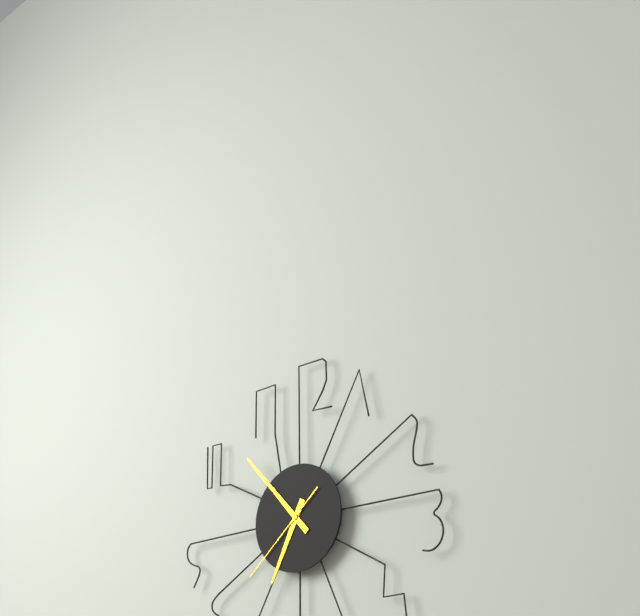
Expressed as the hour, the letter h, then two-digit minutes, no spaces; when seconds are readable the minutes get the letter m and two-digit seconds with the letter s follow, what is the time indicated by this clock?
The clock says 6h53m38s
